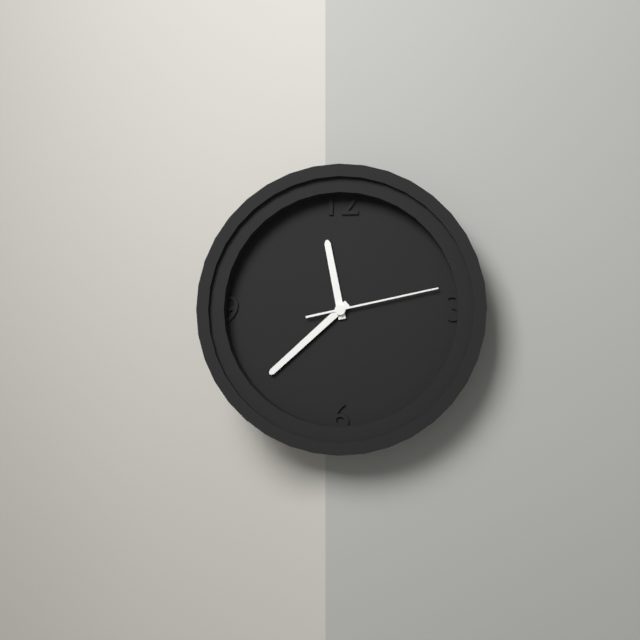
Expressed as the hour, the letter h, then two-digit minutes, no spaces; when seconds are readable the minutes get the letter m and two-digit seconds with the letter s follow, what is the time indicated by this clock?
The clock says 11h38m13s
